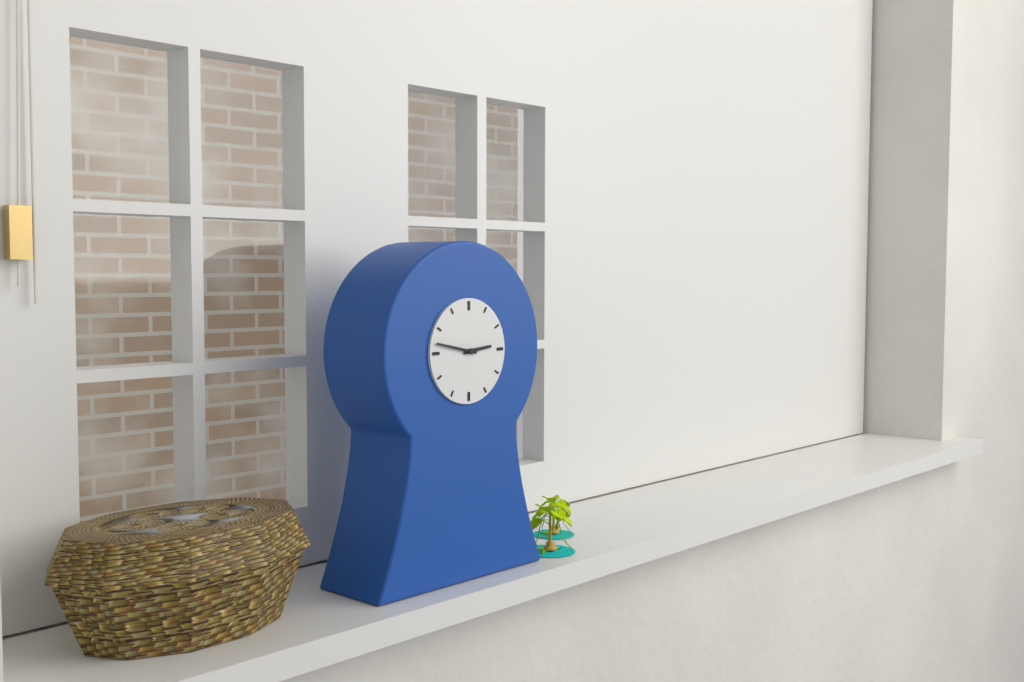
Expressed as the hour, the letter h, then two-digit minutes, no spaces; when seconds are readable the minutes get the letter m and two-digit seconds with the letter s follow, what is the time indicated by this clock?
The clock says 2h47
